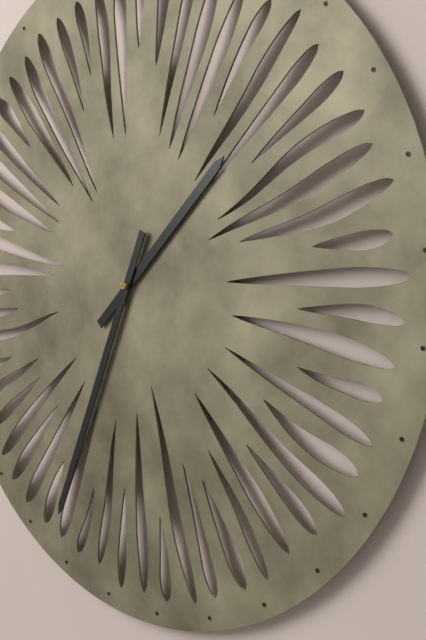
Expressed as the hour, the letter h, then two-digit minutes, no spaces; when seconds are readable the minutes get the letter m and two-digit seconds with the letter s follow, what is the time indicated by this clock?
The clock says 1h34
